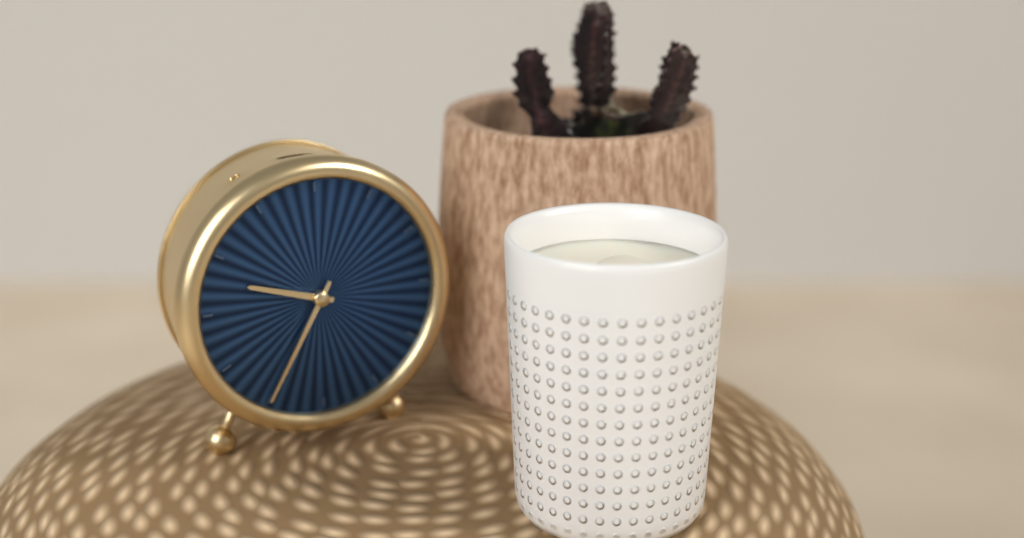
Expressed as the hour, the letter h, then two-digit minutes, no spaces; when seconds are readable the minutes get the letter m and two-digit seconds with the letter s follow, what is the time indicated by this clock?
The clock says 9h35
